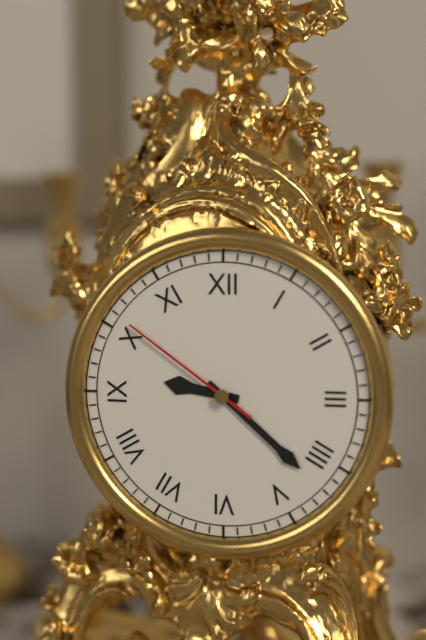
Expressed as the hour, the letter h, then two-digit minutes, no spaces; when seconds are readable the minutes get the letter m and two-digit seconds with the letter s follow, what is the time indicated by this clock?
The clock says 9h22m51s
